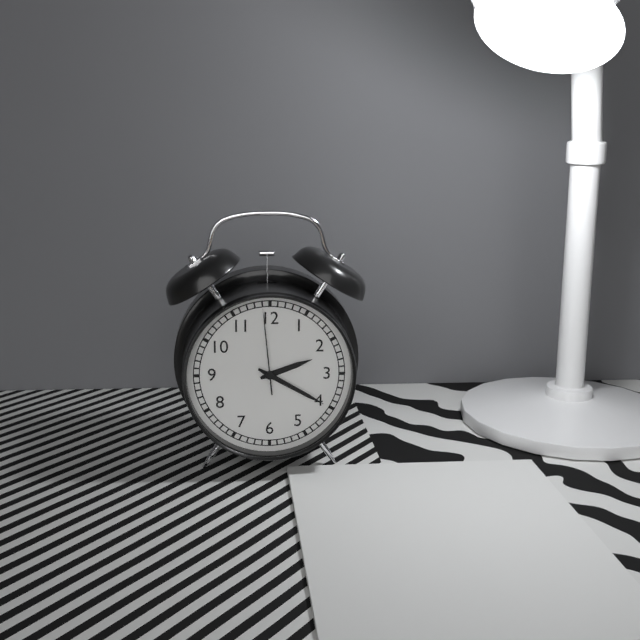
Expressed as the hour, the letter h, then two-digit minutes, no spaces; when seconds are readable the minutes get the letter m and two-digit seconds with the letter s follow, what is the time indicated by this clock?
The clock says 2h20m59s
